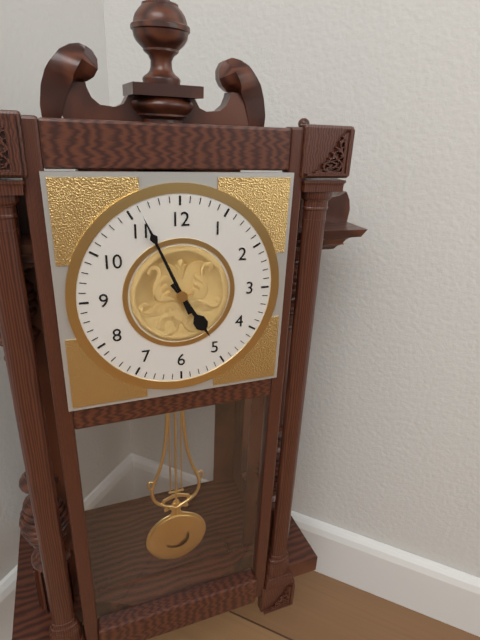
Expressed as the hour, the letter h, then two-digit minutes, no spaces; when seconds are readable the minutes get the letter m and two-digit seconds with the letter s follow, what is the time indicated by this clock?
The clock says 4h56
